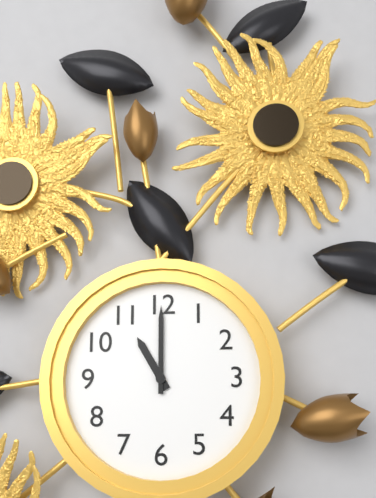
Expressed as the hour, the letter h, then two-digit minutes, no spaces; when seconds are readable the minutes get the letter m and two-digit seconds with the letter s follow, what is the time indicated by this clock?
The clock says 11h00
